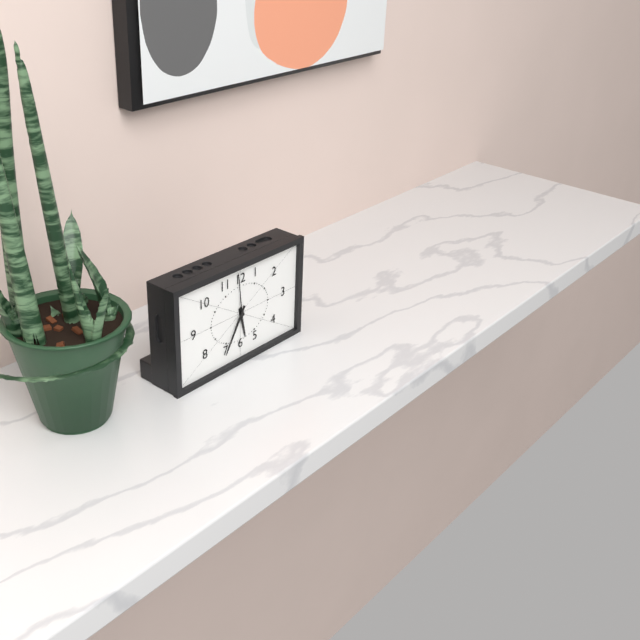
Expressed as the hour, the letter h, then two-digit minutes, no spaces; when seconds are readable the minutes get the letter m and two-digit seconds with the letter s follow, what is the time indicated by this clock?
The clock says 5h35m59s
